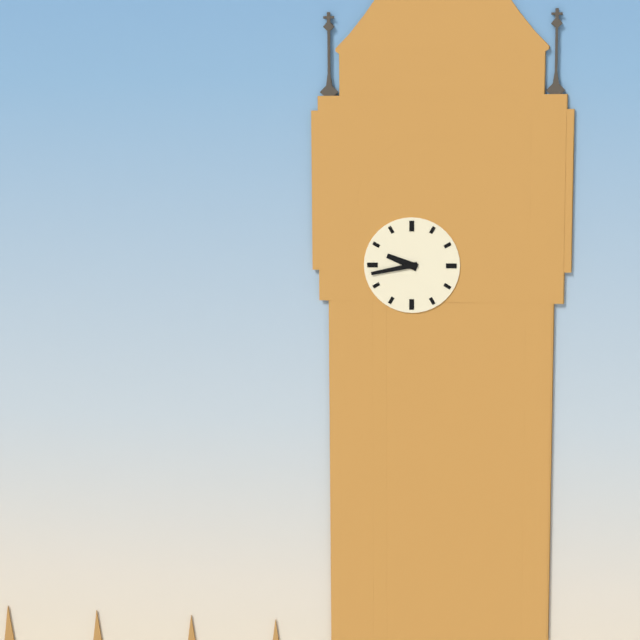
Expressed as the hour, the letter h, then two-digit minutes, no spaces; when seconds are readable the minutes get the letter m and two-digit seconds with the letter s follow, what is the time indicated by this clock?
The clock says 9h43
